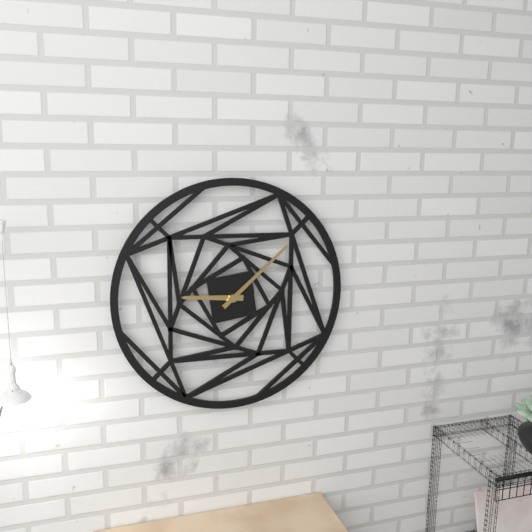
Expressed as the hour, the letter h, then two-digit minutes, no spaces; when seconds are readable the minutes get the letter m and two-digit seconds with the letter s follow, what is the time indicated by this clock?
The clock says 9h08
